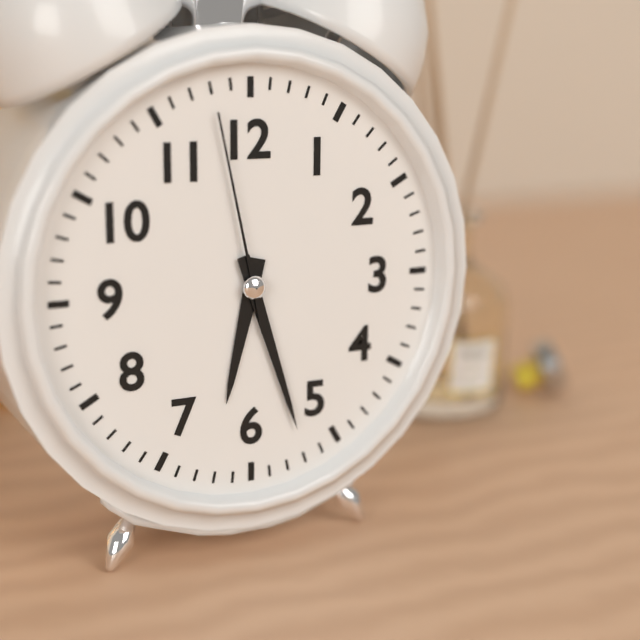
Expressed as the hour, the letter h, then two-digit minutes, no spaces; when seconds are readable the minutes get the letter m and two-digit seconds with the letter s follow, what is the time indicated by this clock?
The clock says 6h27m58s
